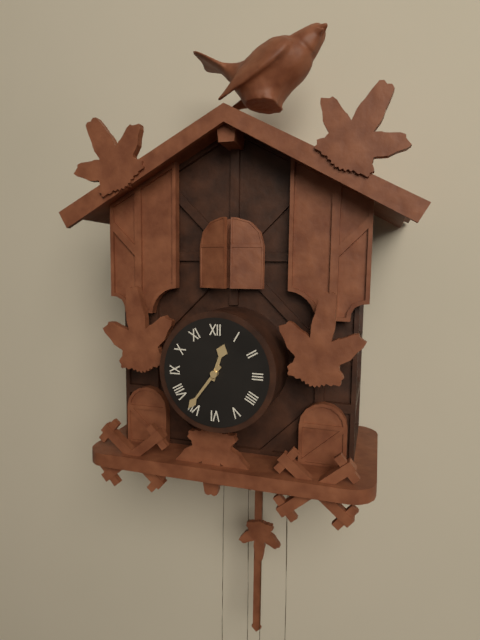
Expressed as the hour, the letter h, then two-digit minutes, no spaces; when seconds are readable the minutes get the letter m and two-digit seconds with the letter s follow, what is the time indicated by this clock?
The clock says 12h36
